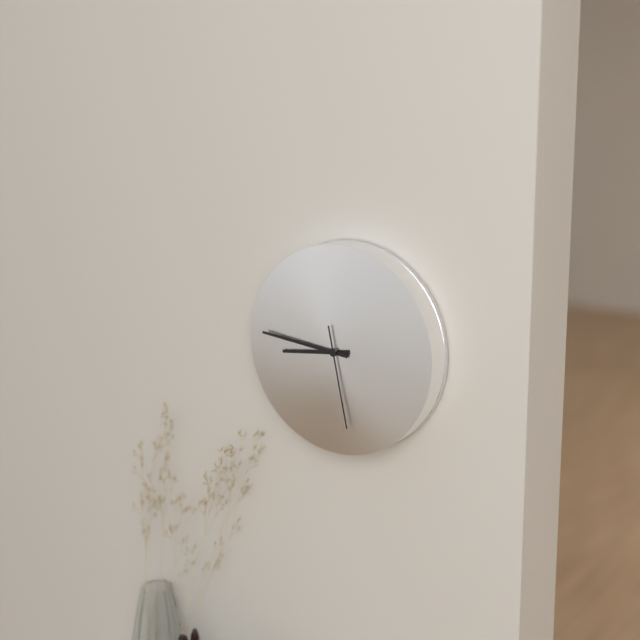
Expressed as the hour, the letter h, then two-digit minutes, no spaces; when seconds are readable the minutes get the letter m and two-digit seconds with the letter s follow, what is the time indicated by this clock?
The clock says 8h46m28s
